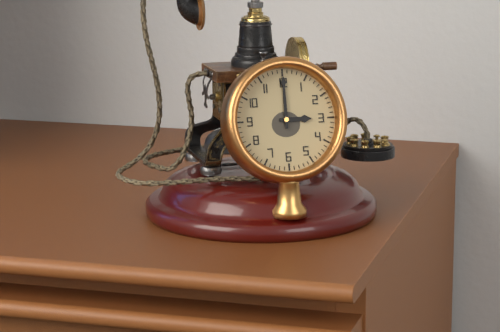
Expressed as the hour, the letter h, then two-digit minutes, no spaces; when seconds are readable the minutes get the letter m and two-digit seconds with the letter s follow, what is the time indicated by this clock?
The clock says 3h00
